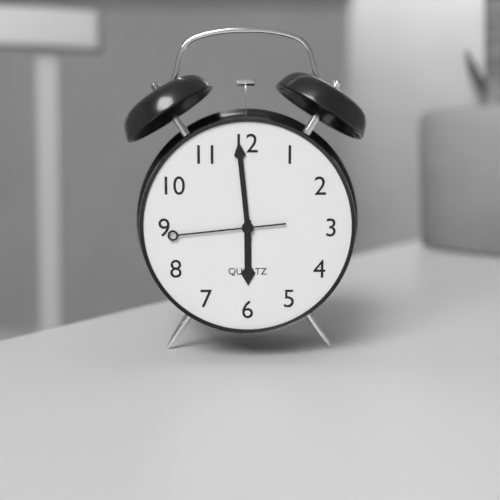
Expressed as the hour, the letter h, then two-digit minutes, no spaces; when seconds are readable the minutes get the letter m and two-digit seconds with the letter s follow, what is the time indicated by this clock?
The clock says 5h59m44s
